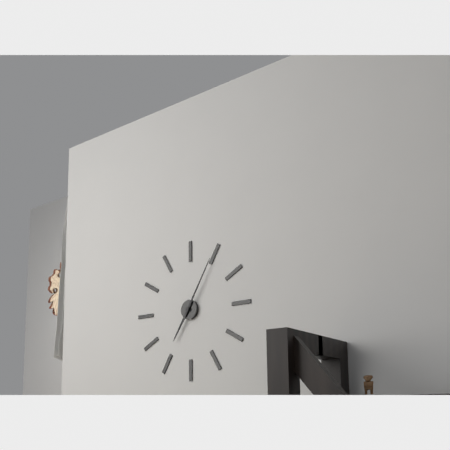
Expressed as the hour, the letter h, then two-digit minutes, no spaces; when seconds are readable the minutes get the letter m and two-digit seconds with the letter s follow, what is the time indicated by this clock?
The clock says 7h05
